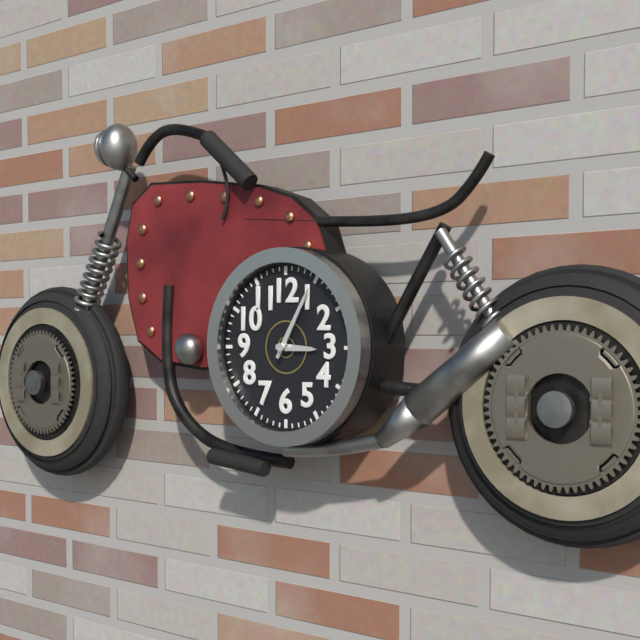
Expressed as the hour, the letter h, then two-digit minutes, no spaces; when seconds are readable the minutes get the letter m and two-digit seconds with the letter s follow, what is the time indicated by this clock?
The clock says 3h05
